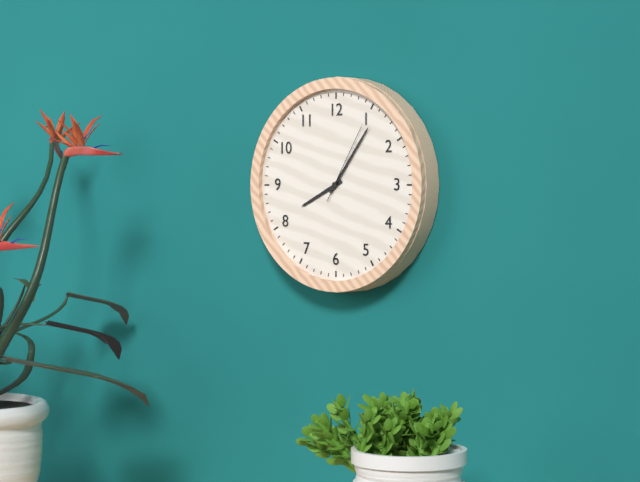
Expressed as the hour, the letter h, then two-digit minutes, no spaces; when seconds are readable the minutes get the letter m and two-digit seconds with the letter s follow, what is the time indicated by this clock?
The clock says 8h06m05s
